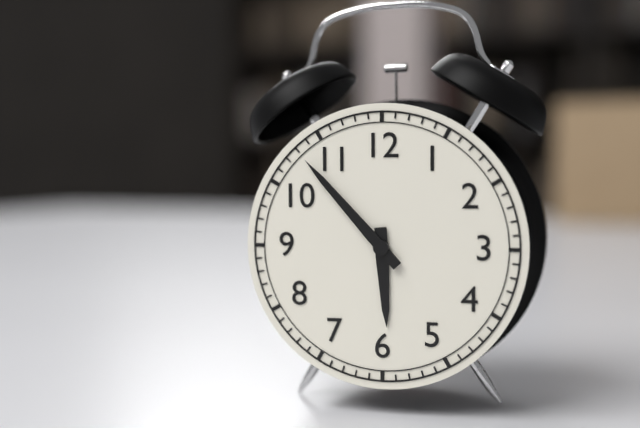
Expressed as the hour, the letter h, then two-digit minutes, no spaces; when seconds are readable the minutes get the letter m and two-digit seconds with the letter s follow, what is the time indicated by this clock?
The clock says 5h53
